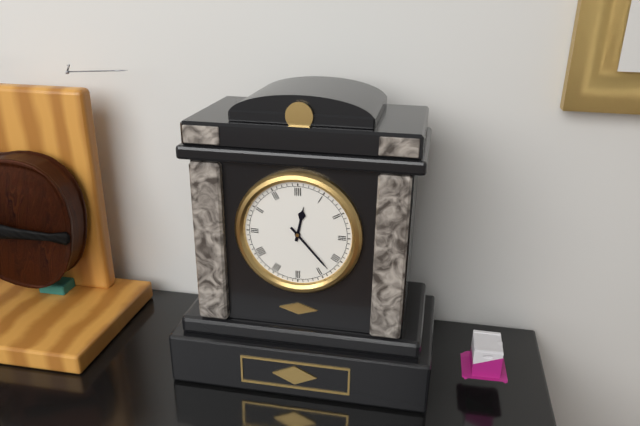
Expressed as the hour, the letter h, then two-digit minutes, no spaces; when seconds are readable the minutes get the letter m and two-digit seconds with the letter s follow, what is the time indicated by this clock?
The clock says 12h23
